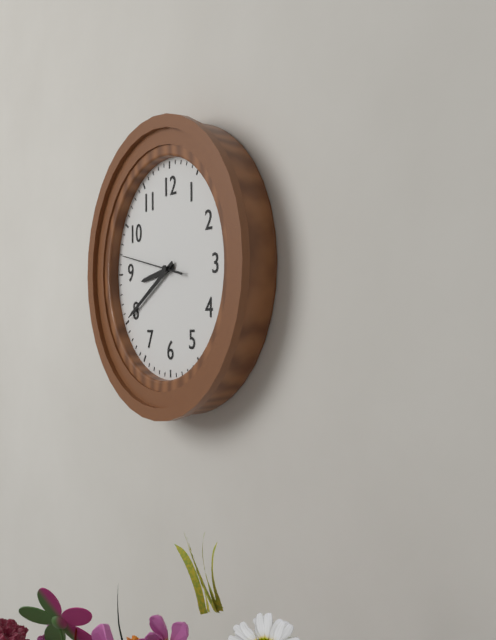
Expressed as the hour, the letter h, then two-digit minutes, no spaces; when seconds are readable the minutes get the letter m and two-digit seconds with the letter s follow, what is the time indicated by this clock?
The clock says 8h40m47s
